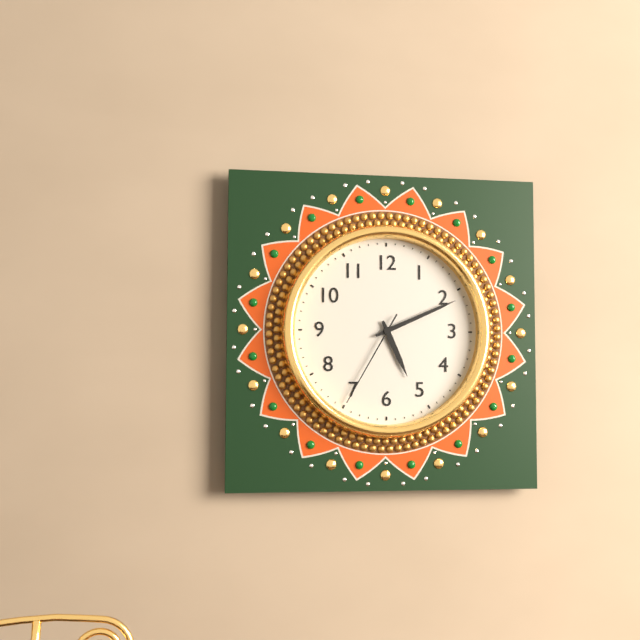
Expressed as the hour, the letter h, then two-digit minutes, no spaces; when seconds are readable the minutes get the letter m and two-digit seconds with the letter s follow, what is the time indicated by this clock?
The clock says 5h11m35s
